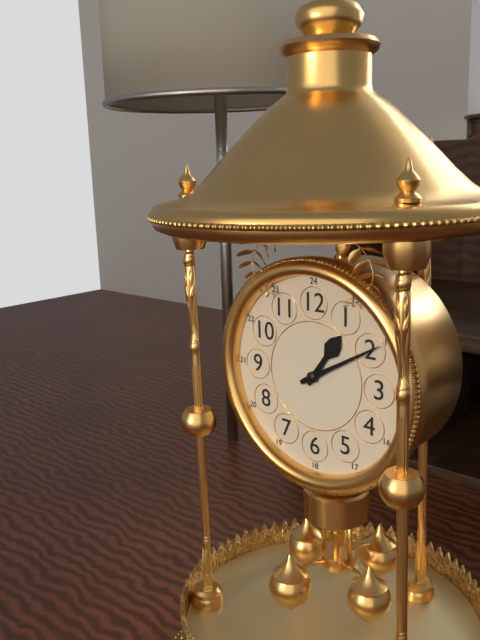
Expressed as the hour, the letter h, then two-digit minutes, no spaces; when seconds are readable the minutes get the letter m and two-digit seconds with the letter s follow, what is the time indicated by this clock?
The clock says 1h10
